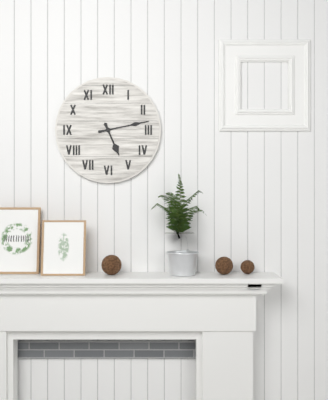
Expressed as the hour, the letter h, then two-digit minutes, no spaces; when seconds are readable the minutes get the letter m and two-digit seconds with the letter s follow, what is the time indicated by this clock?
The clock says 5h13
